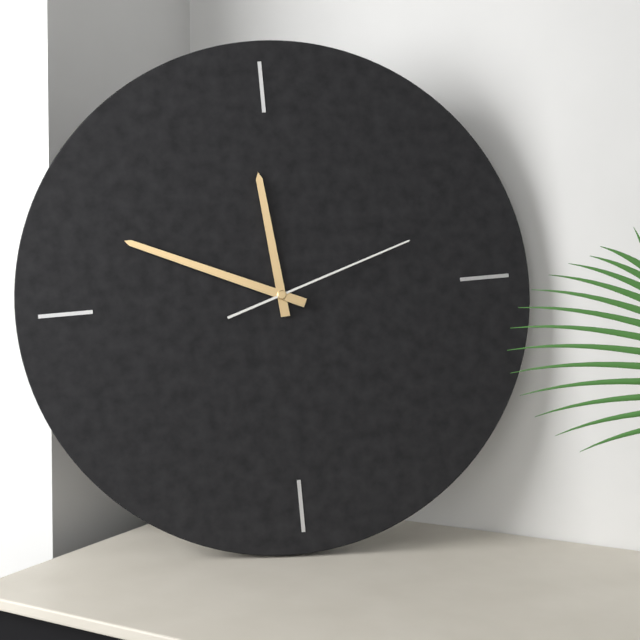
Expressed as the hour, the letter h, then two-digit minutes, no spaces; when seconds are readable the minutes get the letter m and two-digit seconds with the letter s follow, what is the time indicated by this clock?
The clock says 11h49m12s
